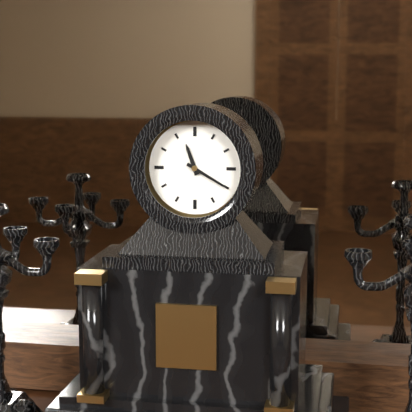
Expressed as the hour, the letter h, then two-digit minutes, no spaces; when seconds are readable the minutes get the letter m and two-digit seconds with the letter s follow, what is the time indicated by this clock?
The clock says 11h20
